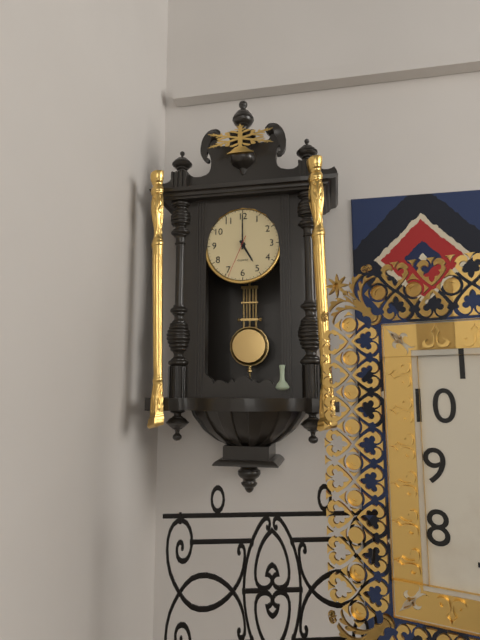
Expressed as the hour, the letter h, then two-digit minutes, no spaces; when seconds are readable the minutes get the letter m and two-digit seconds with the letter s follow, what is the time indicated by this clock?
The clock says 5h00
